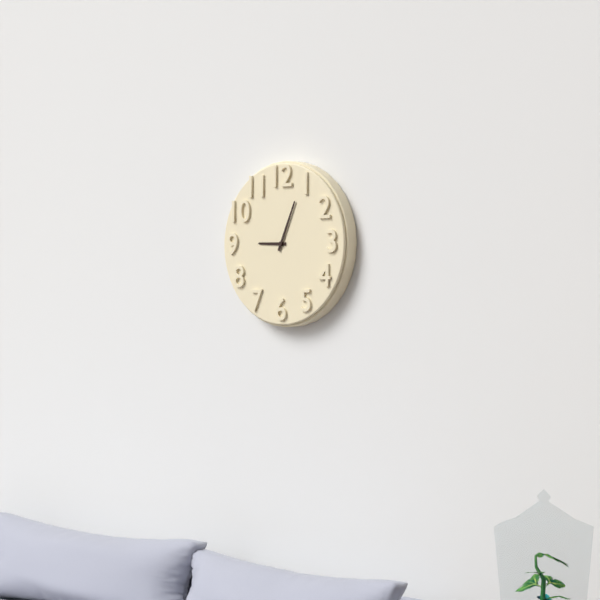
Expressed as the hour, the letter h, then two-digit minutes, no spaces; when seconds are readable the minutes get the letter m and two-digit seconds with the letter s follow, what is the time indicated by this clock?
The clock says 9h04
